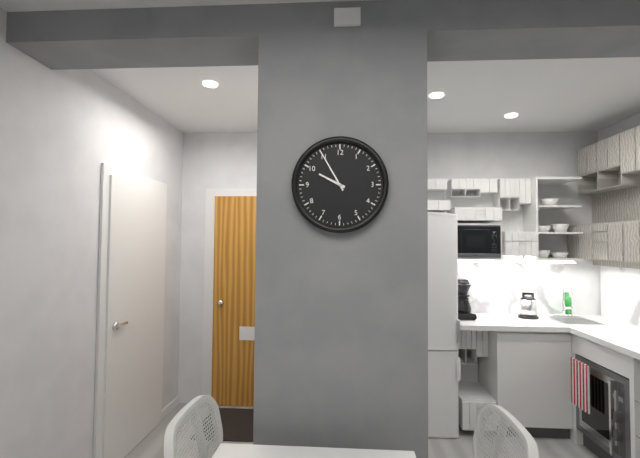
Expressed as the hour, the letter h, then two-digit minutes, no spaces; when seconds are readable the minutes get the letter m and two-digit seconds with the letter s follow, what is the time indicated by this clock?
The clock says 9h55
